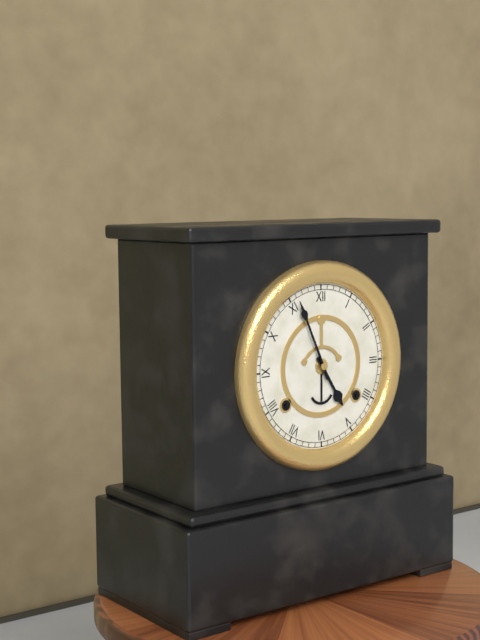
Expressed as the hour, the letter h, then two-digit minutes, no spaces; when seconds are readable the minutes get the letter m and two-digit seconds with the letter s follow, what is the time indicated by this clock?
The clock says 4h56
